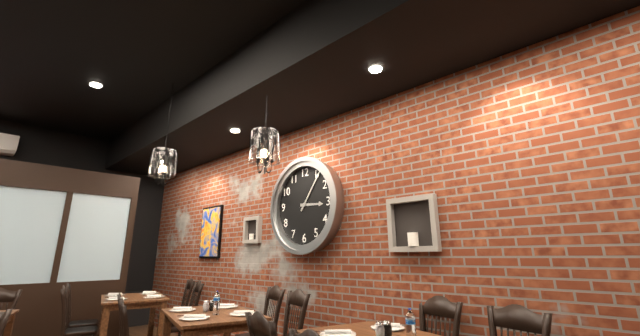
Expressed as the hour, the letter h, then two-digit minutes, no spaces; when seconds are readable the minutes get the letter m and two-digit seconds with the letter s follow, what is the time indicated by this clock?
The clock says 3h06
